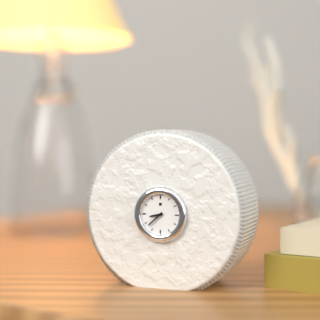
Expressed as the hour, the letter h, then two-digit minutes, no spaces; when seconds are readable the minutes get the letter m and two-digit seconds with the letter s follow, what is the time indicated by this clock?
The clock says 8h38
